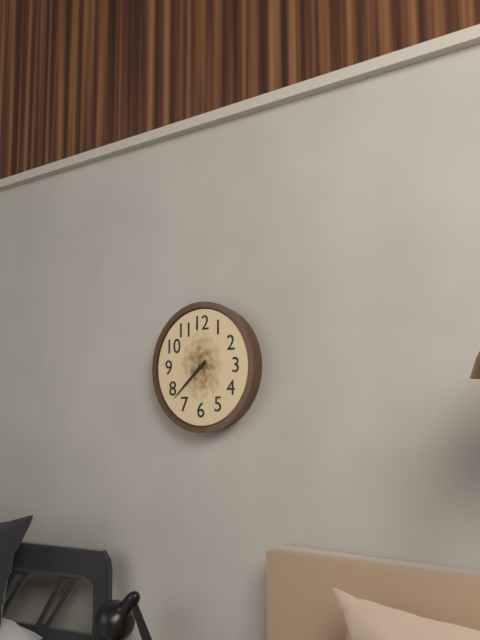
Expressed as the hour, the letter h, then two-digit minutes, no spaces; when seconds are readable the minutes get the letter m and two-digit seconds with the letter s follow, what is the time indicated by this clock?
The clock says 7h38
